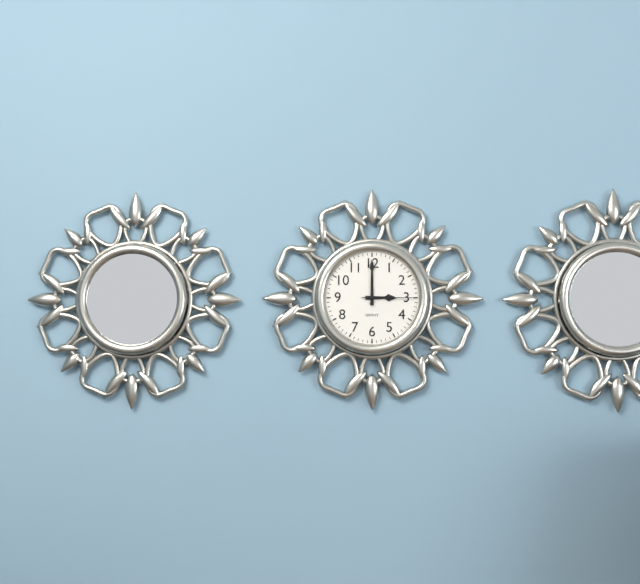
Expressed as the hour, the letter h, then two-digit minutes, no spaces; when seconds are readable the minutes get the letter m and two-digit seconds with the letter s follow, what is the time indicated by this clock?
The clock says 3h00m15s
